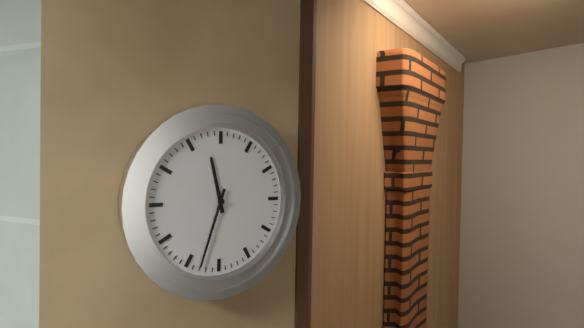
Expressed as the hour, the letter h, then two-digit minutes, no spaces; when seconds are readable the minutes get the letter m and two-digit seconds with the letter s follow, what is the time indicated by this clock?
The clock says 11h33
